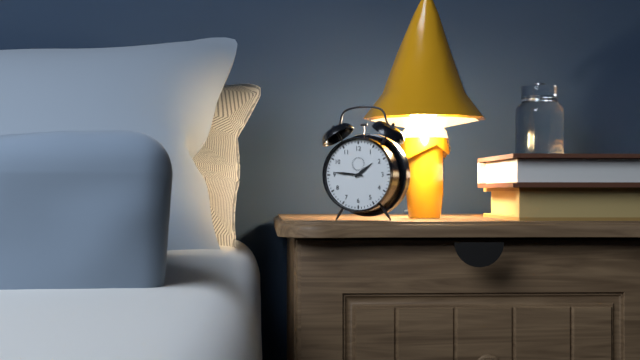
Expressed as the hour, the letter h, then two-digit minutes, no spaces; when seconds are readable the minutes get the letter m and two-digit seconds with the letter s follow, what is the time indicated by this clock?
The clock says 1h46
